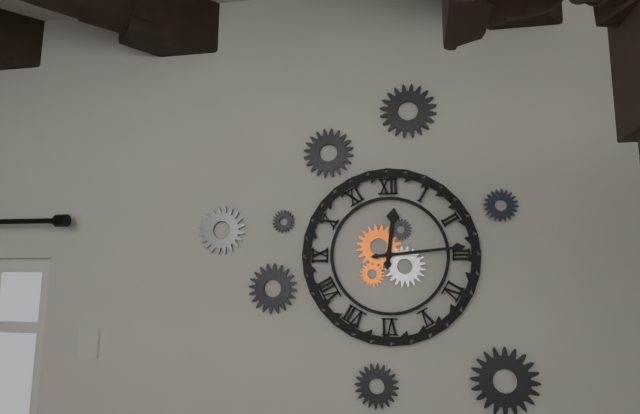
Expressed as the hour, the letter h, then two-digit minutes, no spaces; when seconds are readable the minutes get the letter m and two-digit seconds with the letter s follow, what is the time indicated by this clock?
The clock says 12h14
